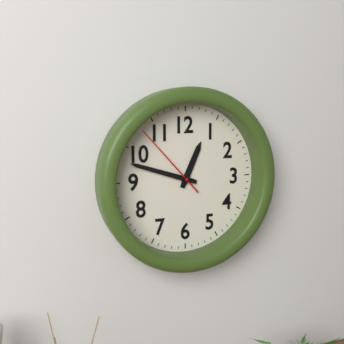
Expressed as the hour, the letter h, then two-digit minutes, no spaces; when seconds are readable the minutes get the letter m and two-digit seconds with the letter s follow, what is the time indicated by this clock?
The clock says 12h48m53s
